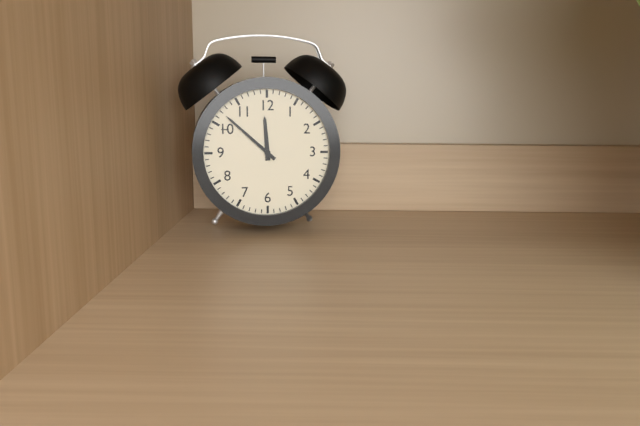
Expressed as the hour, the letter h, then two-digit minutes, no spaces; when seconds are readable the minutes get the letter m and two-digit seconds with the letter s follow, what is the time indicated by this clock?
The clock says 11h52
